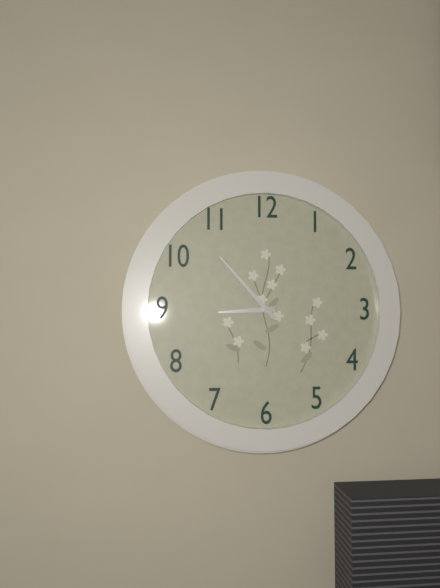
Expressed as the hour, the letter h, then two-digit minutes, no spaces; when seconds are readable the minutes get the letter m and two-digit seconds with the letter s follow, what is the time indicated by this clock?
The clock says 8h53
